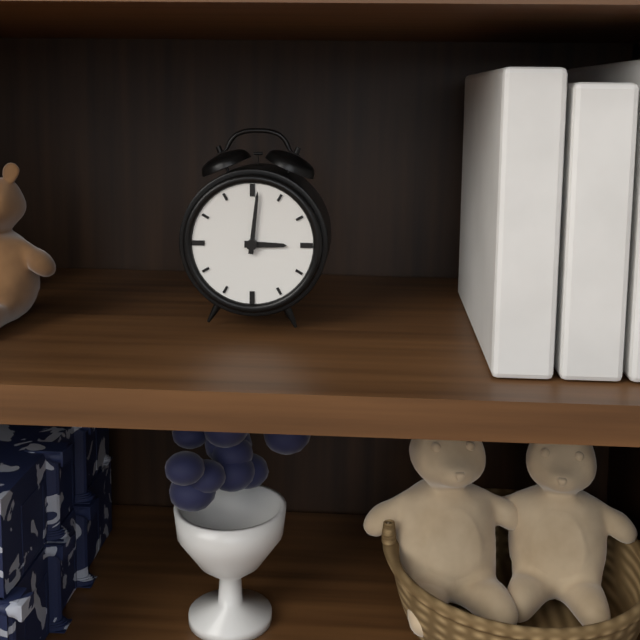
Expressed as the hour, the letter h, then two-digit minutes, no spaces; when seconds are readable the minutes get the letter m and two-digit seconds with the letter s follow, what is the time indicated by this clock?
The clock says 3h01
